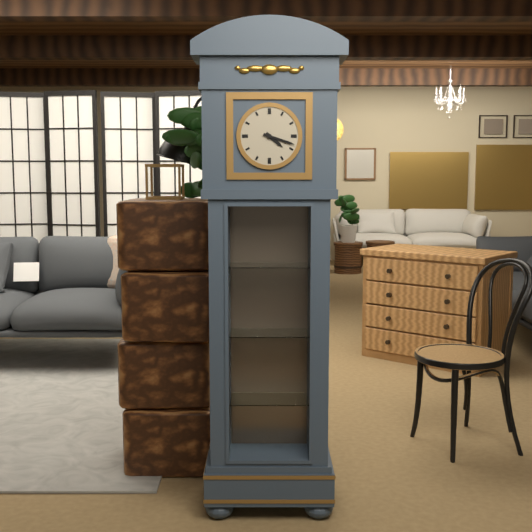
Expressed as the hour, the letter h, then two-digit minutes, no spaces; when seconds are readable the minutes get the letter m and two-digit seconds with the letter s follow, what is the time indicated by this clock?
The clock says 4h18
